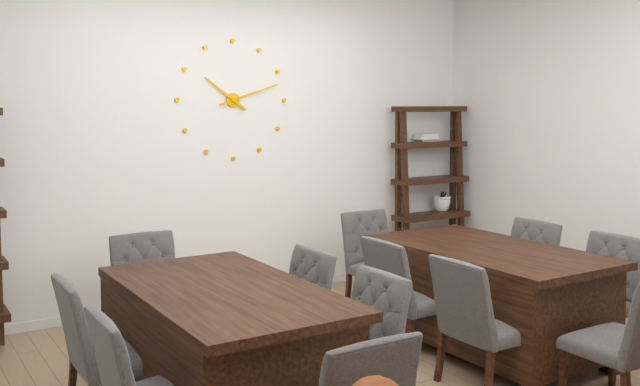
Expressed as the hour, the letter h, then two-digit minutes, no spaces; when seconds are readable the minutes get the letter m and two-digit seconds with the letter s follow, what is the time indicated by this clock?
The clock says 10h12
